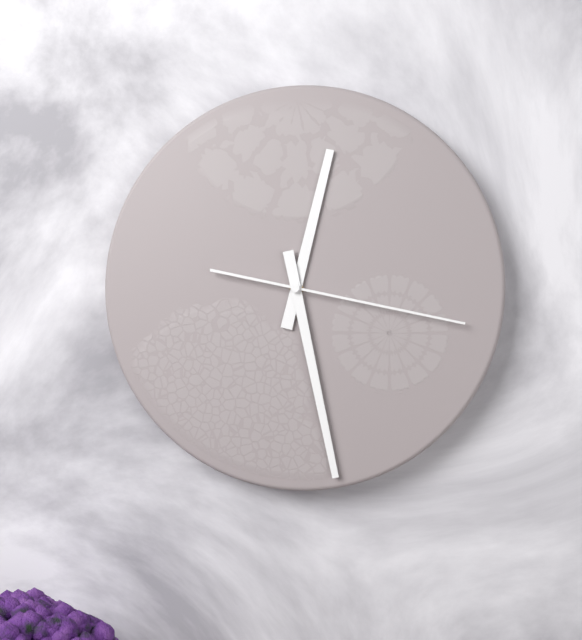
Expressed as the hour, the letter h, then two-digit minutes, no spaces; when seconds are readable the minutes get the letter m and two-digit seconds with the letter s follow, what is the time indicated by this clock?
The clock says 12h28m17s
